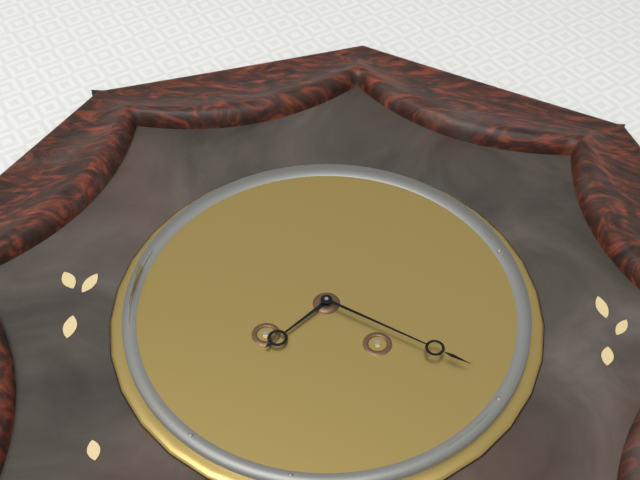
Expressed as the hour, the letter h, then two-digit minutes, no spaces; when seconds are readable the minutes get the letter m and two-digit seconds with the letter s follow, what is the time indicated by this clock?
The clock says 7h19
